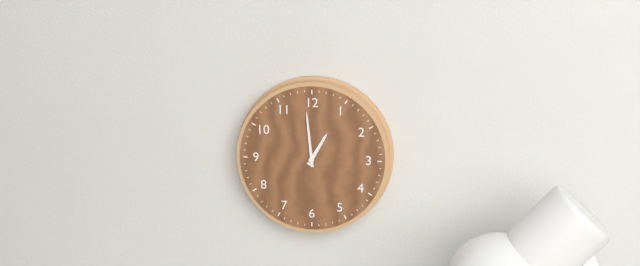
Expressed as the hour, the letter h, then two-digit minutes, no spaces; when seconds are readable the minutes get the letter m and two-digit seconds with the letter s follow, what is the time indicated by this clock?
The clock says 12h59
